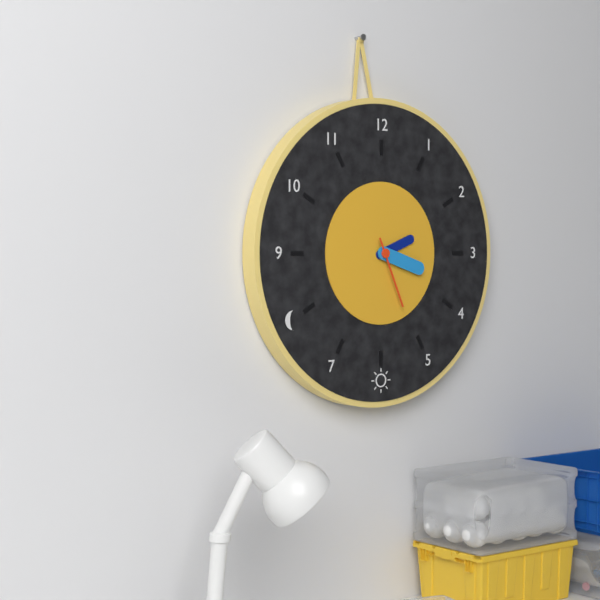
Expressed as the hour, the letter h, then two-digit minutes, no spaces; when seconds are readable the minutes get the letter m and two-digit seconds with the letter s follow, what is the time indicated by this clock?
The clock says 2h18m26s
